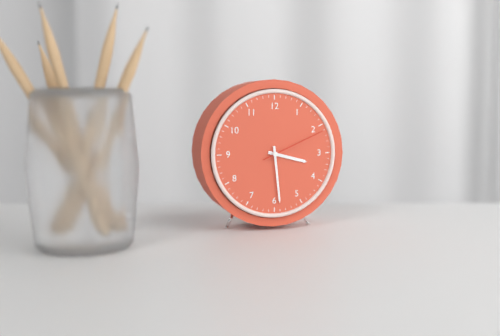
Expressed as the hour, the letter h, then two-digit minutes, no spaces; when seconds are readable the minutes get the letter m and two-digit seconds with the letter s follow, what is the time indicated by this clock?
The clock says 3h29m11s
